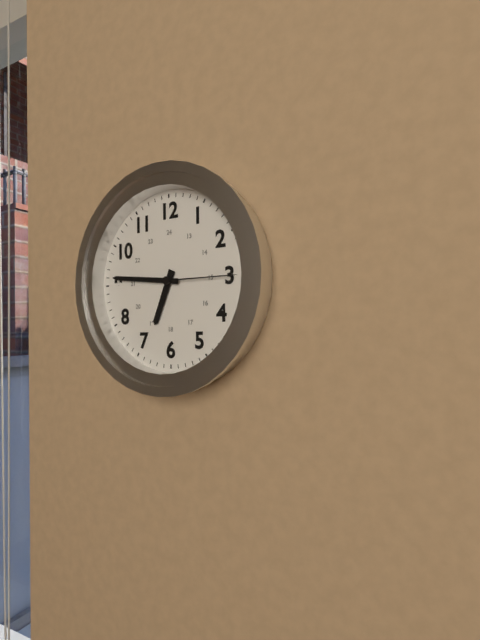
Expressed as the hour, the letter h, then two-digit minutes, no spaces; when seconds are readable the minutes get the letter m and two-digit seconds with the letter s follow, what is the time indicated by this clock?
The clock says 6h46m15s
